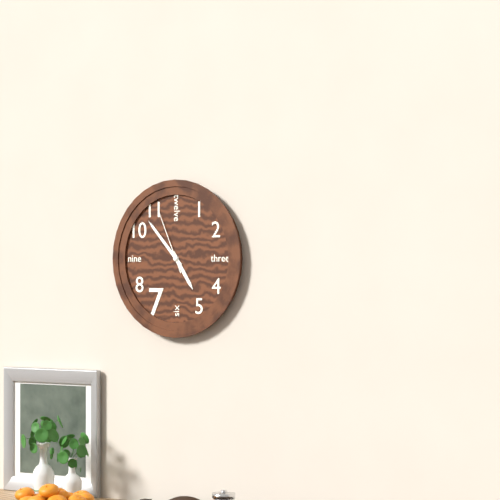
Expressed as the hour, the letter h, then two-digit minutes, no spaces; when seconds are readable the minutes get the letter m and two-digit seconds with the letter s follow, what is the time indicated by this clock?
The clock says 4h53m56s
